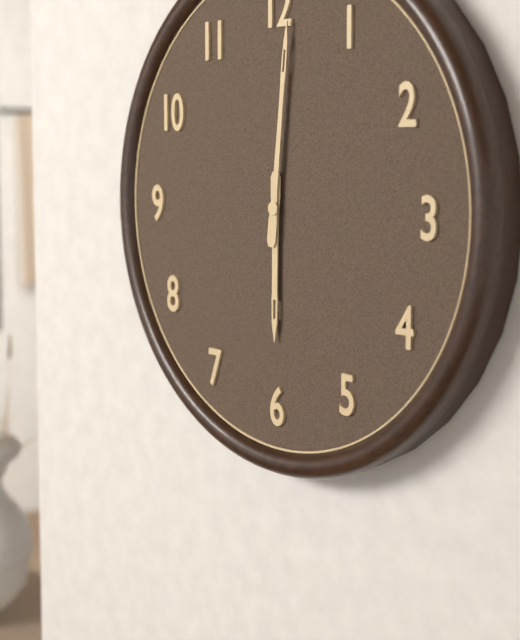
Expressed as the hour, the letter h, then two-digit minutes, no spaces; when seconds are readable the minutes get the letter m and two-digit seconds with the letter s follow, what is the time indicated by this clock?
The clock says 6h01
